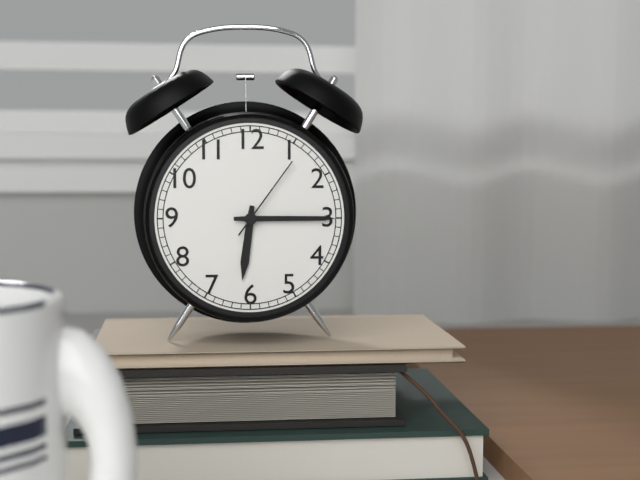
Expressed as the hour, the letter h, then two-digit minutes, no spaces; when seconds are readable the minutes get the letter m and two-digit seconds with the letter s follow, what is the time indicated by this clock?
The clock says 6h15m06s
